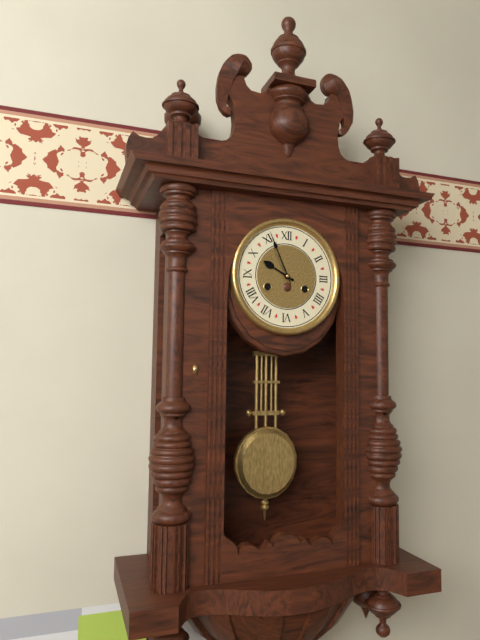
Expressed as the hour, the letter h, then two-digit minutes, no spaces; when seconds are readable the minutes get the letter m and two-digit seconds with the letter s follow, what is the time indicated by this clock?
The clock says 9h56
